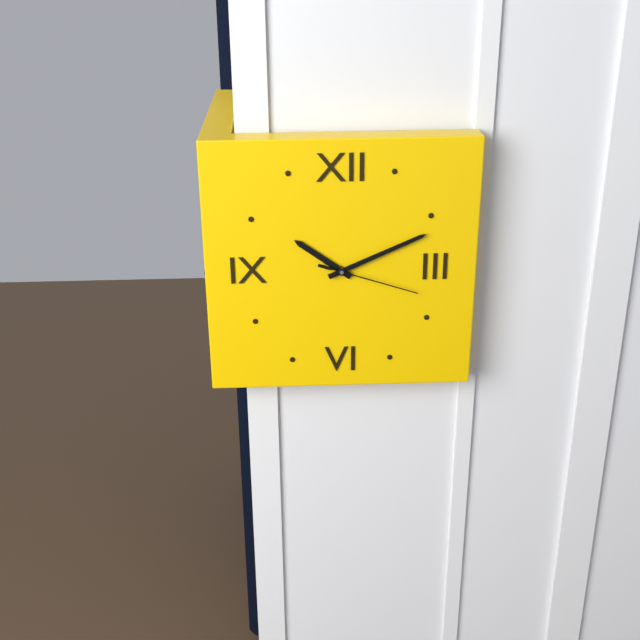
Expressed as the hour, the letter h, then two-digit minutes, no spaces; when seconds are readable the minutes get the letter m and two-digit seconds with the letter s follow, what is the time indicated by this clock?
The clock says 10h11m18s
